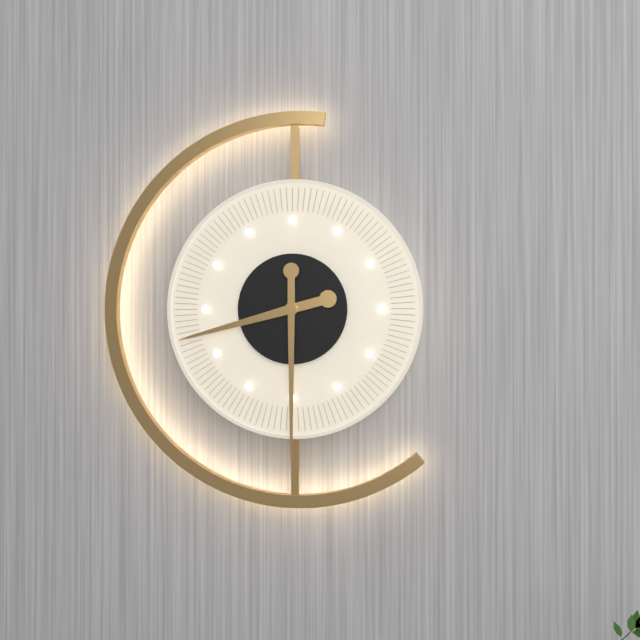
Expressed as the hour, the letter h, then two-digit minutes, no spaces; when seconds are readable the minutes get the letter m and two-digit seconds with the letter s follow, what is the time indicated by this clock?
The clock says 8h30
